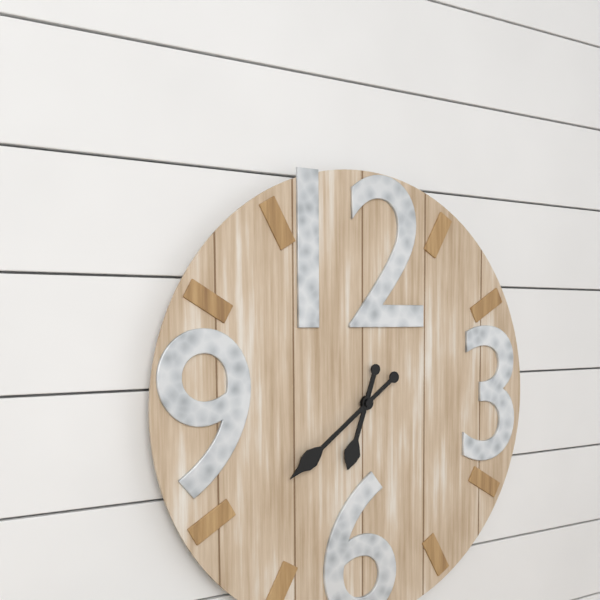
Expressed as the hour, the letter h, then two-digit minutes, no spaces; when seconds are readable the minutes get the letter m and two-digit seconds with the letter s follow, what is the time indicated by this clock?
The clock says 6h39
